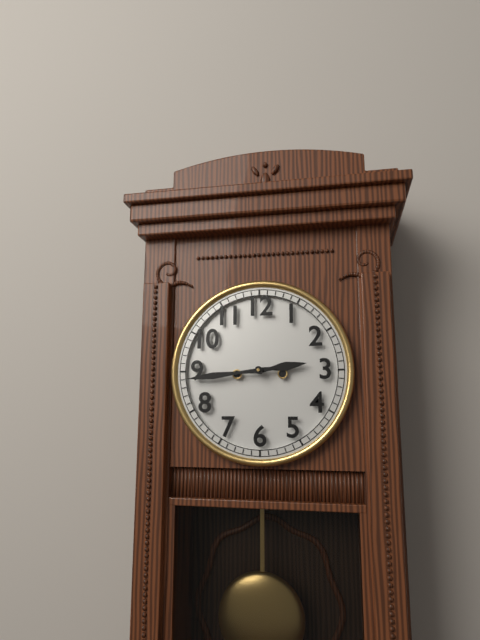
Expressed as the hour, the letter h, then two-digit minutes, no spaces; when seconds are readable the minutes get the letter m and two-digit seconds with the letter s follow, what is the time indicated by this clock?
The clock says 2h44
